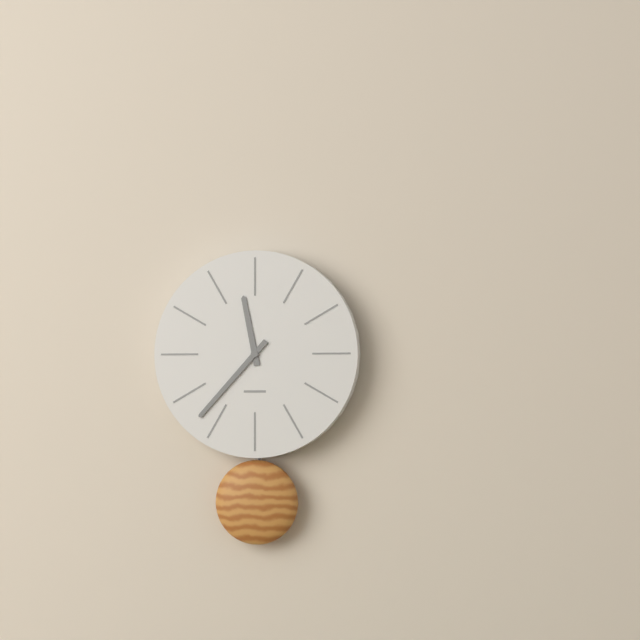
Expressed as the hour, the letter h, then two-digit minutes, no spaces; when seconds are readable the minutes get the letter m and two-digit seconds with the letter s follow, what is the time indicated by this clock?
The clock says 11h37
